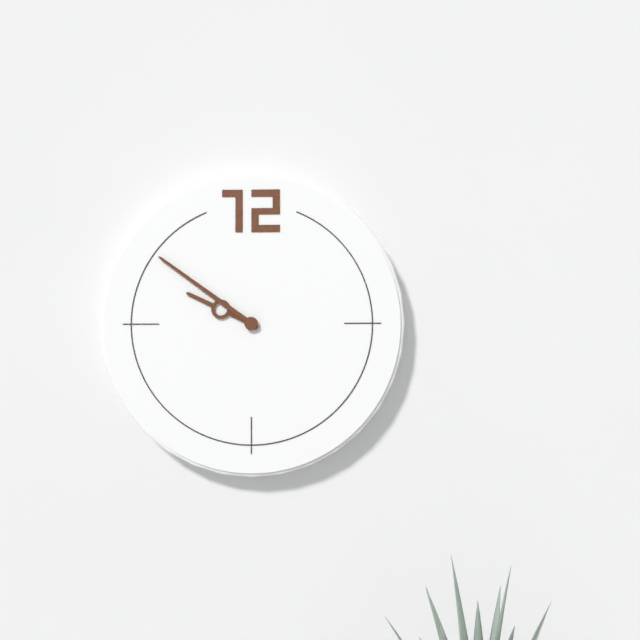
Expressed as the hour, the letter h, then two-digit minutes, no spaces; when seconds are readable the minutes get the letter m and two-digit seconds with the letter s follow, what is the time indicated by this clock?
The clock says 9h51
